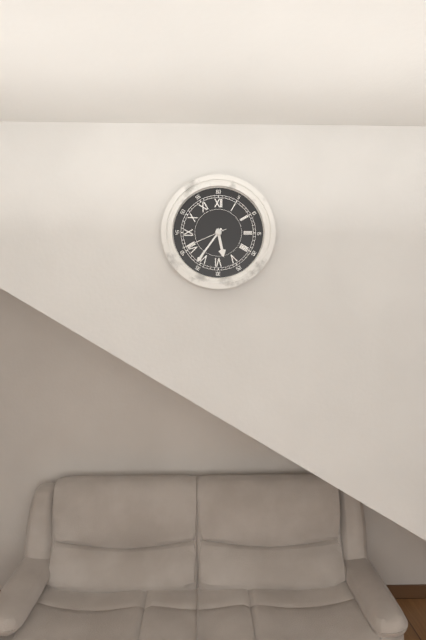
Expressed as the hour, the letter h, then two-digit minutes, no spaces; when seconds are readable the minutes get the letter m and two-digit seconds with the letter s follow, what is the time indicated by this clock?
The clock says 5h36
